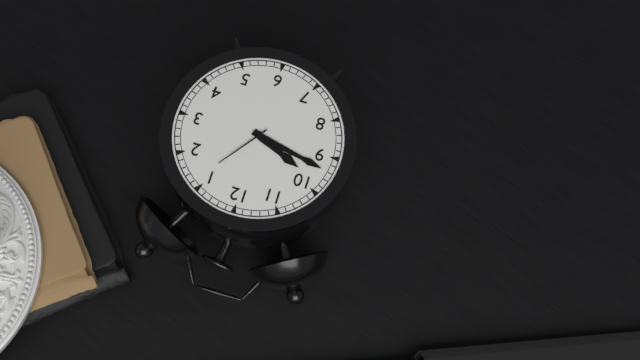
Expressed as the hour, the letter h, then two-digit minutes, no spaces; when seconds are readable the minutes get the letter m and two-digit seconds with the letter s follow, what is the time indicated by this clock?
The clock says 9h47m06s
